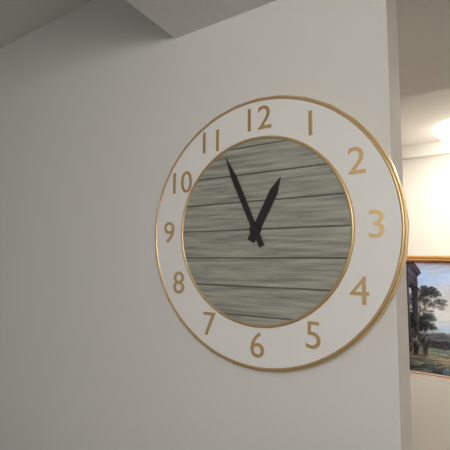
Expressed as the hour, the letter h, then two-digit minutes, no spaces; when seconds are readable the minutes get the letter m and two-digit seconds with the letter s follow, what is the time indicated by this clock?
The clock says 12h56
